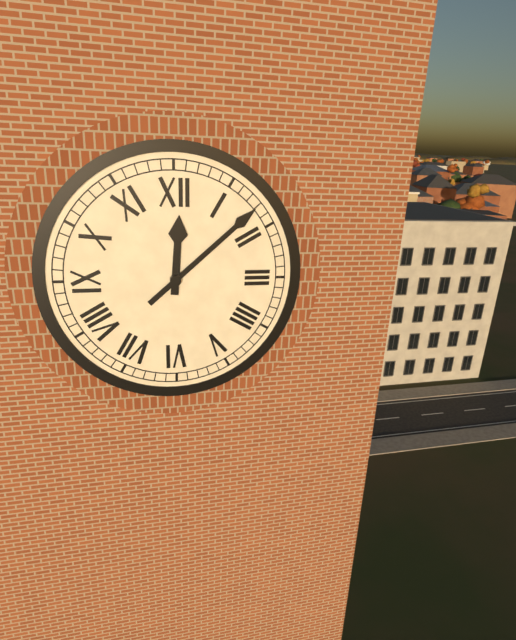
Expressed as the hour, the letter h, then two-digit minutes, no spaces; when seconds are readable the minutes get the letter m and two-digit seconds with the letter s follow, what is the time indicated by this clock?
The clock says 12h08
